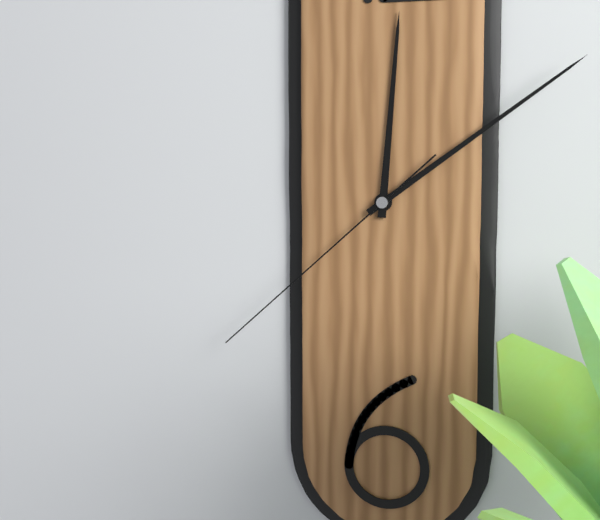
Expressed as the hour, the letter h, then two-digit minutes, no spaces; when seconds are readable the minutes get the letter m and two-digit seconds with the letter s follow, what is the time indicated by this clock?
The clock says 12h09m38s
